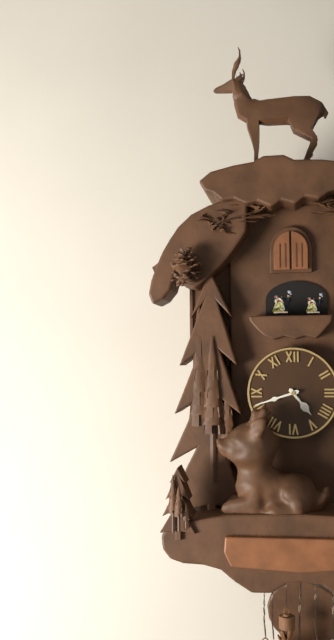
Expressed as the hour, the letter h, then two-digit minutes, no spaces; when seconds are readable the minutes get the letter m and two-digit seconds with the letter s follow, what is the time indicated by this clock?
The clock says 4h42
